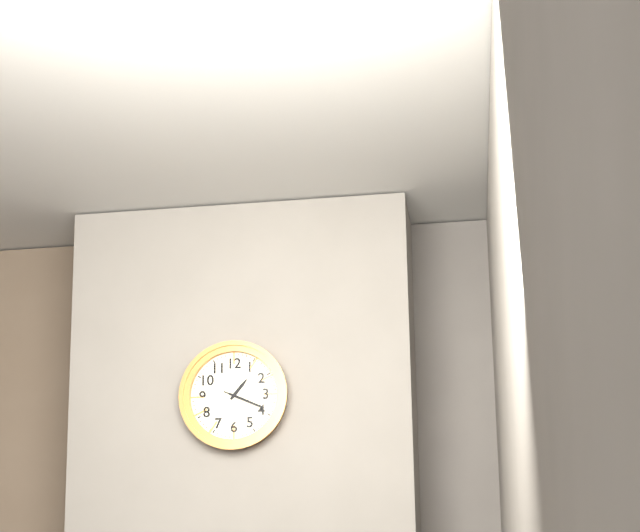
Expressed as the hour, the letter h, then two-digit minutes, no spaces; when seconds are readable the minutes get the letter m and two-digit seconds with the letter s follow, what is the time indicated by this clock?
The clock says 1h19
